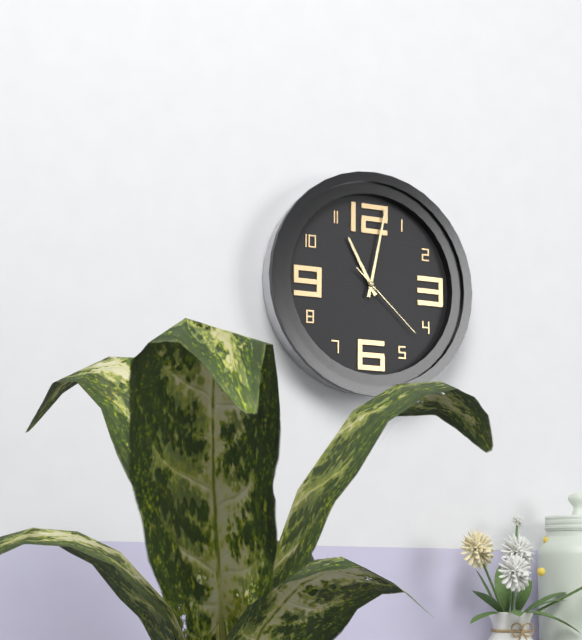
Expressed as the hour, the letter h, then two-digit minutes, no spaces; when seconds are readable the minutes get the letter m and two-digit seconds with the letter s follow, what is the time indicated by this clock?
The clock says 11h02m22s
